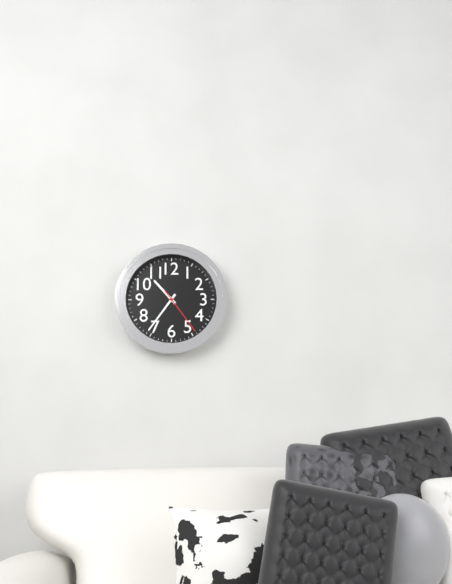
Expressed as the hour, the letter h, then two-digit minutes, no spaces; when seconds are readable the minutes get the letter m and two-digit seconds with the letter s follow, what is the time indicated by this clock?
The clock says 10h36m24s
